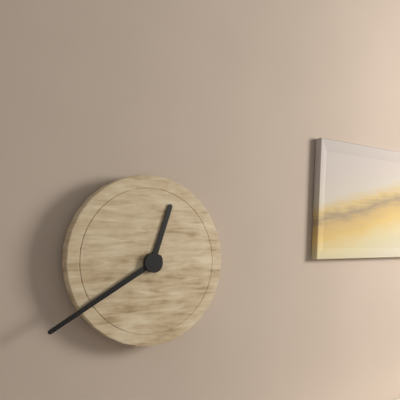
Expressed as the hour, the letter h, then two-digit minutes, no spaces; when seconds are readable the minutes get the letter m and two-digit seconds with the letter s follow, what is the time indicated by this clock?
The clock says 12h40
